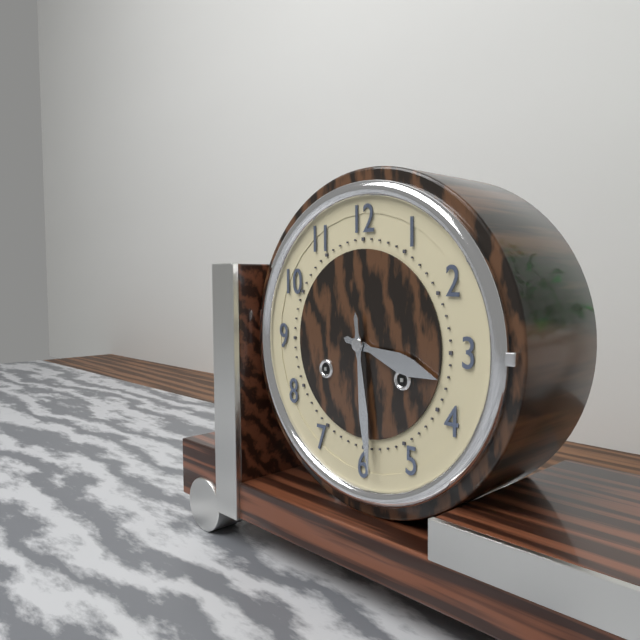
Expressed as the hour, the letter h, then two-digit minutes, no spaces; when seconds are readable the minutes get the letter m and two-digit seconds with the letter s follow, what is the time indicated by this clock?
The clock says 3h29
